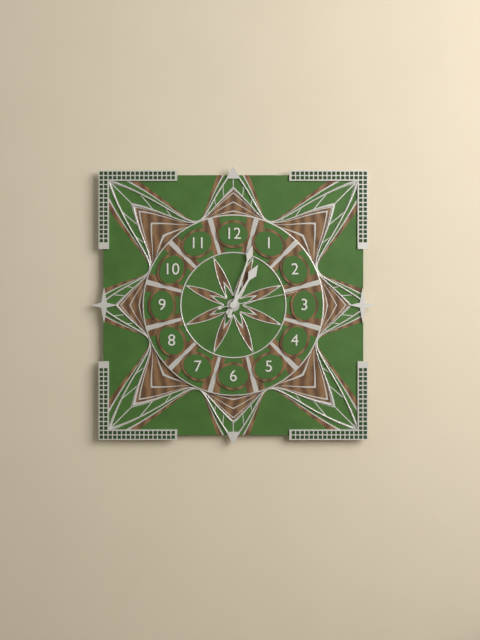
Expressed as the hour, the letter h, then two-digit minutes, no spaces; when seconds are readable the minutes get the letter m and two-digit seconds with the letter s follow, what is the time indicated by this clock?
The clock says 1h03m13s
